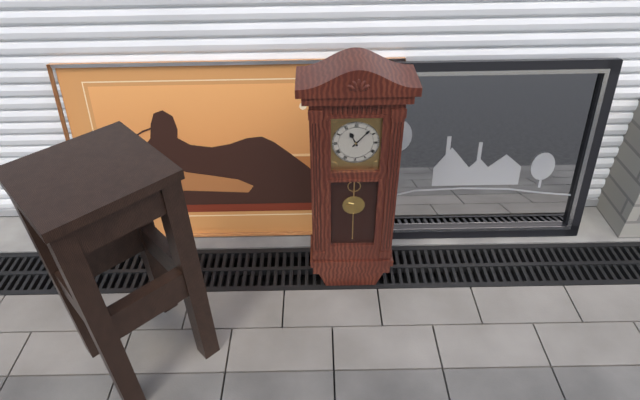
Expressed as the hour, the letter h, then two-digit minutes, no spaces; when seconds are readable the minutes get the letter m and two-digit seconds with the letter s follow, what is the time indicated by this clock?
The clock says 11h07
